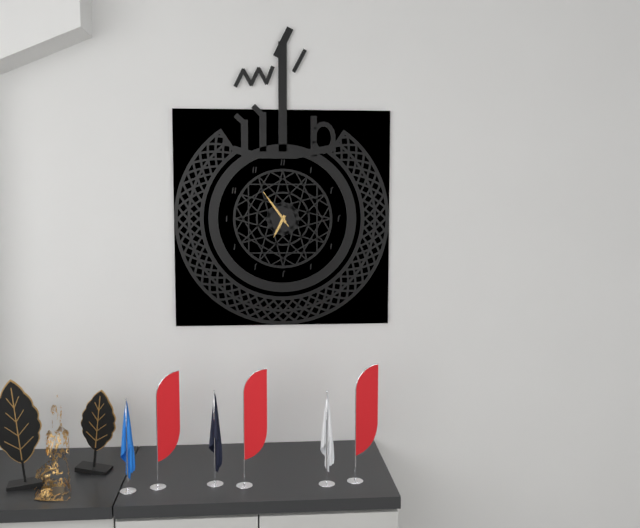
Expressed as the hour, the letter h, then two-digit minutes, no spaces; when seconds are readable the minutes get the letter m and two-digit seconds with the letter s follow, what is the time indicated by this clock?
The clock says 6h54
